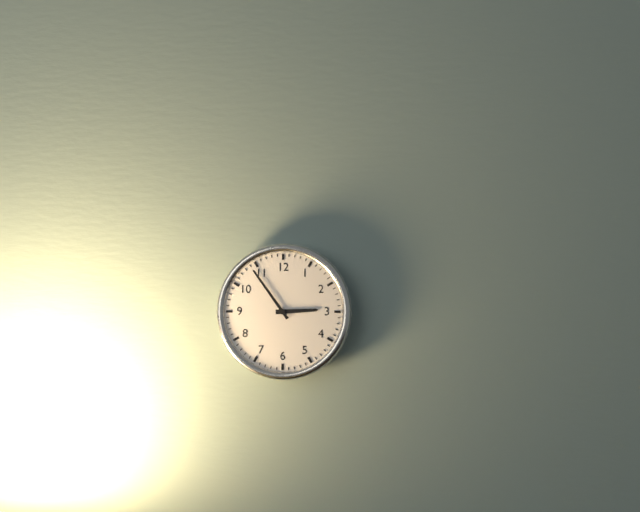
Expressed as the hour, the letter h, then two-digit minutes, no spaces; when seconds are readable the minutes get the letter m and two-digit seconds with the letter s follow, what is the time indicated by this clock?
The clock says 2h54
